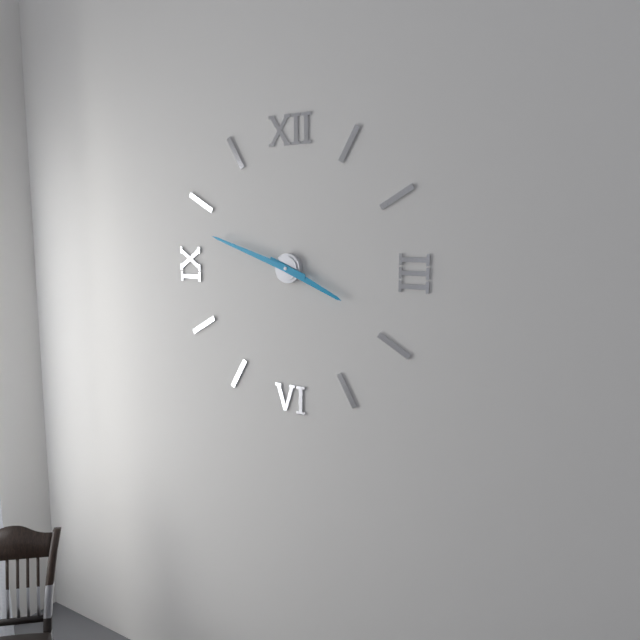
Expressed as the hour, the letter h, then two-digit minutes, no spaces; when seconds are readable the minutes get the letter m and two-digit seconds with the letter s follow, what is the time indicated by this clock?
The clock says 3h48
